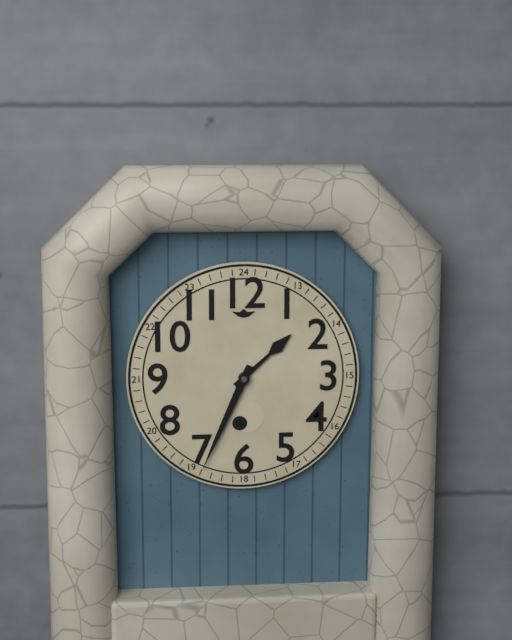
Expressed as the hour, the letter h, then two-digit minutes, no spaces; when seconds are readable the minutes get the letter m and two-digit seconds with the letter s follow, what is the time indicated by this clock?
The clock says 1h34
